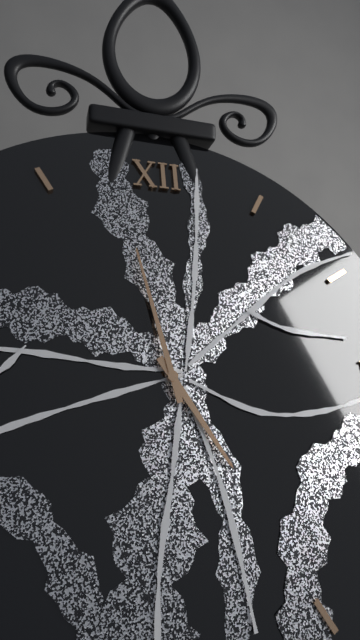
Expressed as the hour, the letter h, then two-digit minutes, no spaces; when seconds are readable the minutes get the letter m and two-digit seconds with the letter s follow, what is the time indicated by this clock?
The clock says 4h58
